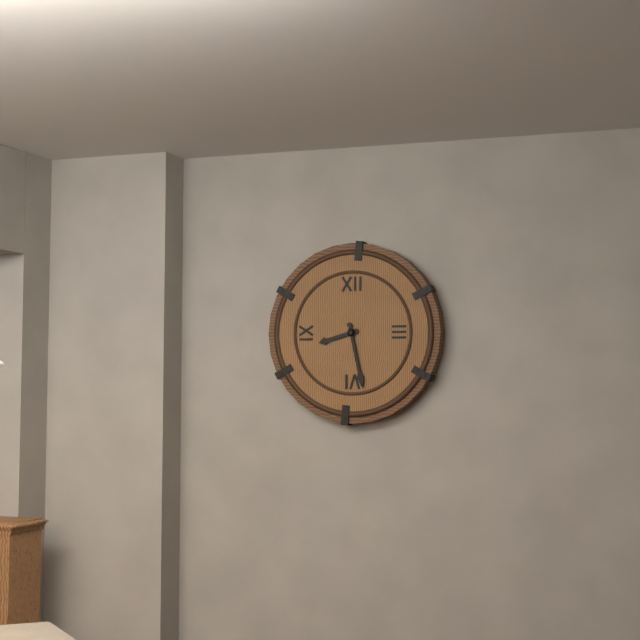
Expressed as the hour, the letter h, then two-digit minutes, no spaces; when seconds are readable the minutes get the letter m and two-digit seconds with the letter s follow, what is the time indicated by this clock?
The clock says 8h28
